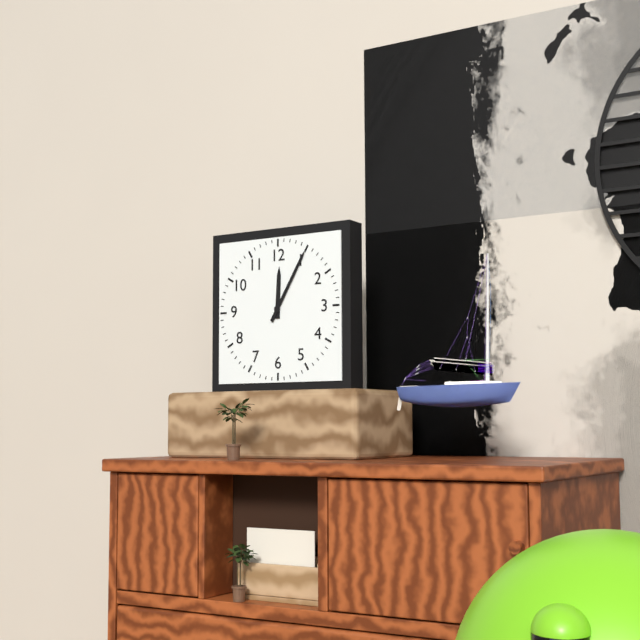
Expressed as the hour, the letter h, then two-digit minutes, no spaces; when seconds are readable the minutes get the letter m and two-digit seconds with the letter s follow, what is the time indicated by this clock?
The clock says 12h05
